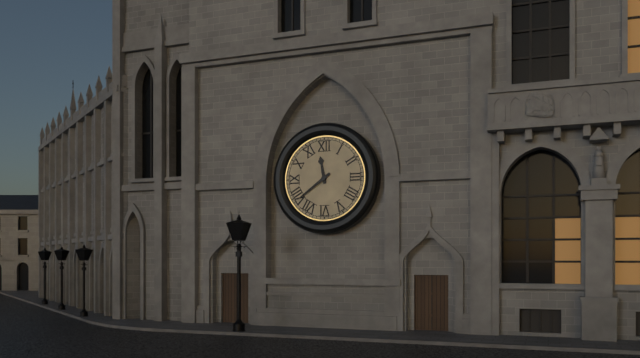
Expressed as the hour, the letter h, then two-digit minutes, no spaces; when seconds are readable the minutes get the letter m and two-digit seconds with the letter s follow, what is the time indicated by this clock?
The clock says 11h39
